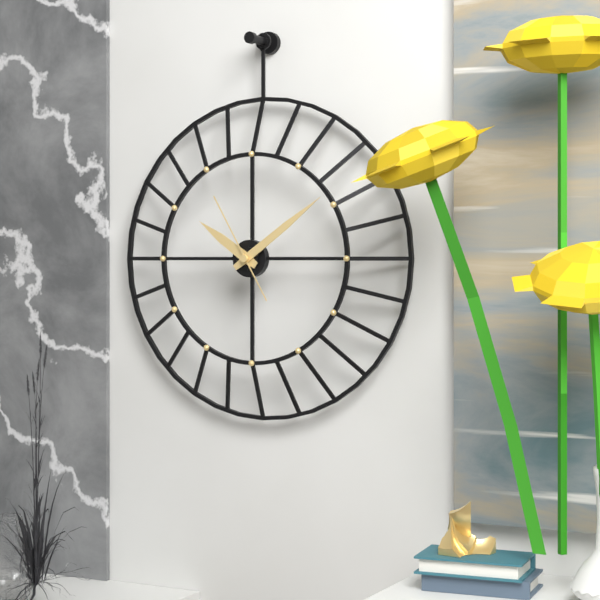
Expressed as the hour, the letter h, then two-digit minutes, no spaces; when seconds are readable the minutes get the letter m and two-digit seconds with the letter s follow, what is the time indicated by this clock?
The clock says 10h09m55s
